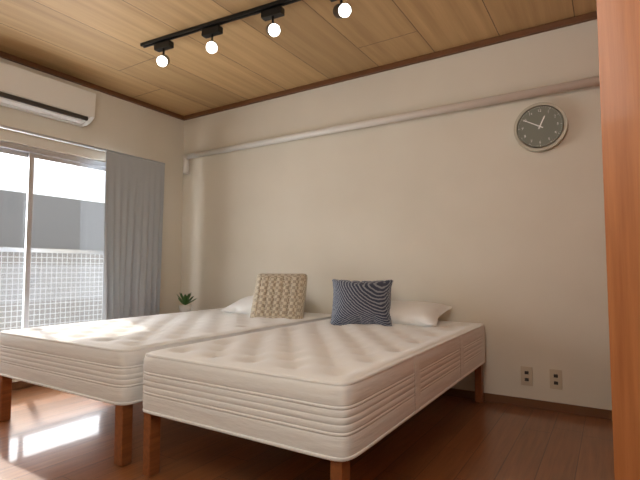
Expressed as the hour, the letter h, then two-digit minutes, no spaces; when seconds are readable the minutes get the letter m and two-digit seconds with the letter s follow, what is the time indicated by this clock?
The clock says 12h50
